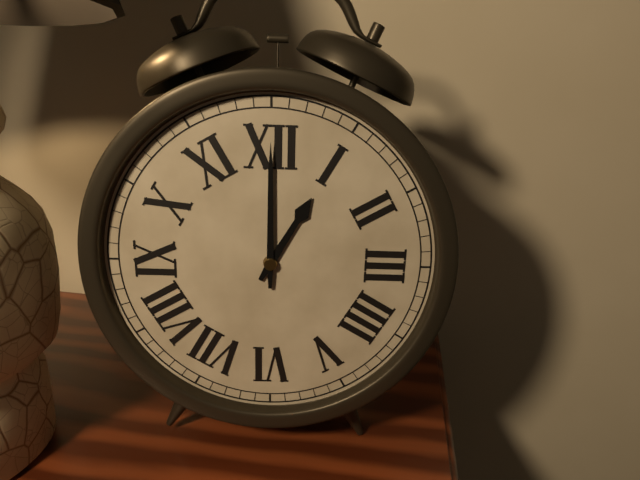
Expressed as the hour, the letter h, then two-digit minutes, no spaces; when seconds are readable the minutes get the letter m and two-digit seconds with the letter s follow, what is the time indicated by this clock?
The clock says 1h00
